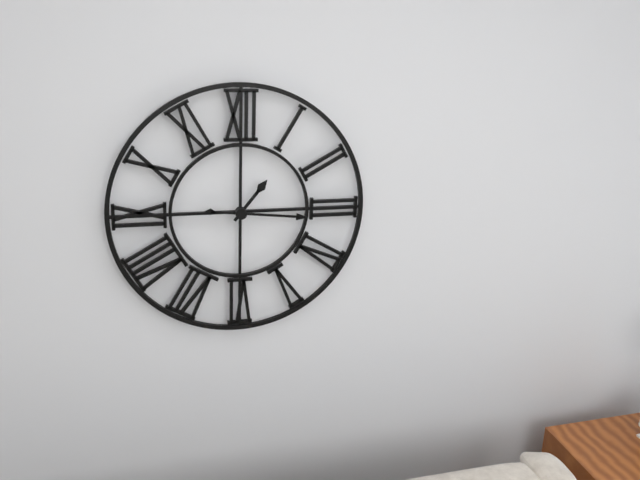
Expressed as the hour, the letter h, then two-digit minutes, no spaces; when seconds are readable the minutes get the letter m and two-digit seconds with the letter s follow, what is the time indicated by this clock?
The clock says 1h16
